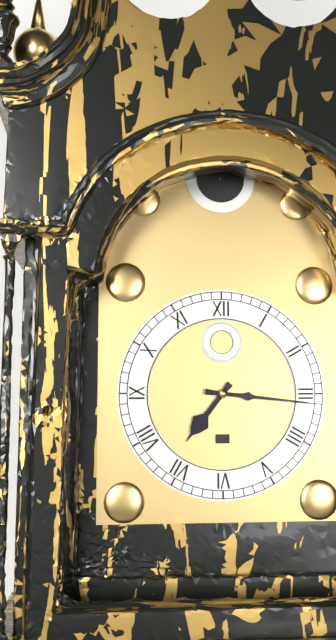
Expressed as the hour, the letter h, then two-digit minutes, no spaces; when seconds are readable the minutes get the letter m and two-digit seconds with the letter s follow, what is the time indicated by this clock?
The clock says 7h16
